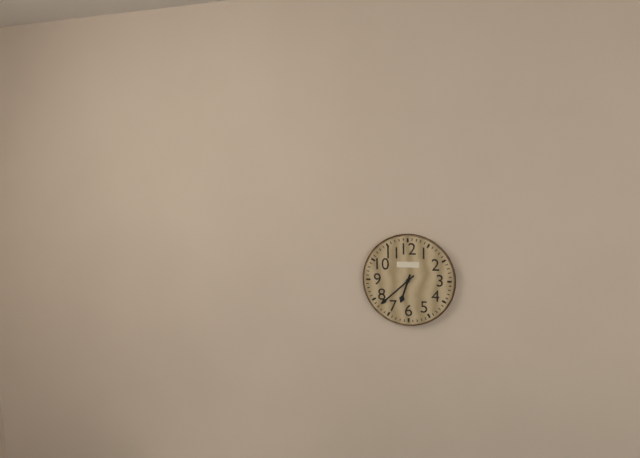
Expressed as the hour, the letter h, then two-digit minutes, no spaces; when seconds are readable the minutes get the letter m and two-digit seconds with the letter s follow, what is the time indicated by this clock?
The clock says 6h38
